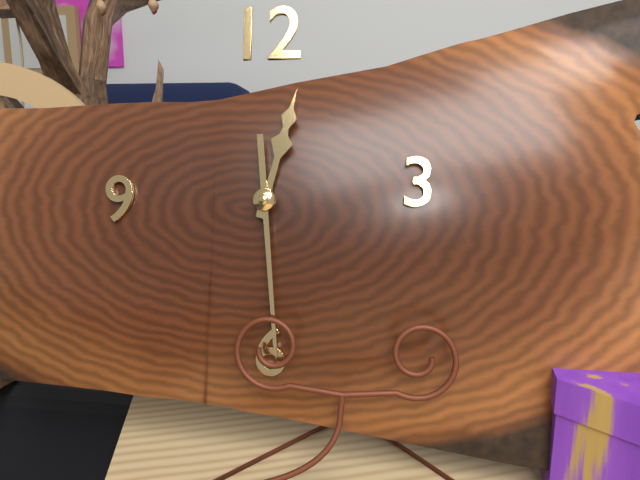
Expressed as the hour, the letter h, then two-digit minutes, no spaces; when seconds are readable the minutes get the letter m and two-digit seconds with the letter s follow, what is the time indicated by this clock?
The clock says 12h29
